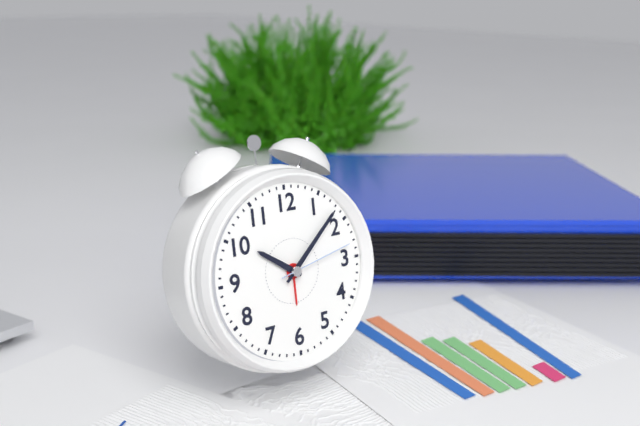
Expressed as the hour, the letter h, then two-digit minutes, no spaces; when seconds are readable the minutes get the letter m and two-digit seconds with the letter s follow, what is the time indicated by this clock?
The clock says 10h08m13s
